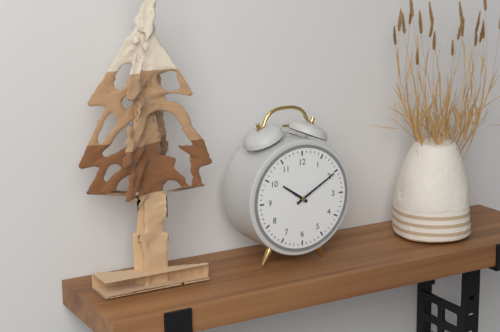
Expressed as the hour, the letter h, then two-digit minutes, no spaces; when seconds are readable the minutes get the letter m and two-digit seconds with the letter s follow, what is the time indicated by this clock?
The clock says 10h10
